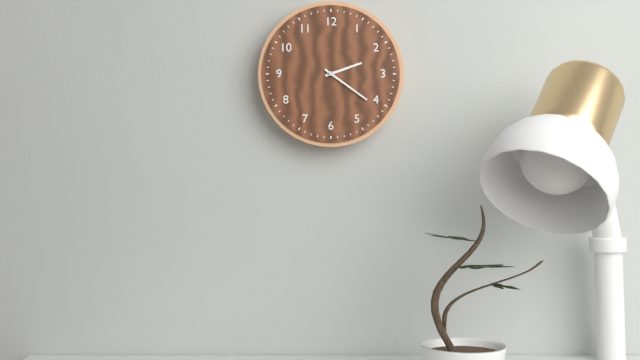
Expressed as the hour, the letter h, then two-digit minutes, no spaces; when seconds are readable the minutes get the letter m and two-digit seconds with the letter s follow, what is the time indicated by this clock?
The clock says 2h21
